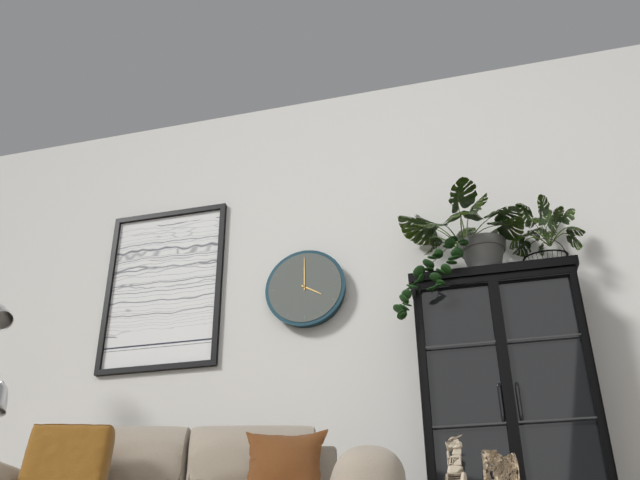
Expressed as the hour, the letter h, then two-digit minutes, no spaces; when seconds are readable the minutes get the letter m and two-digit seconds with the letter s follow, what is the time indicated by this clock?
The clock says 4h00
